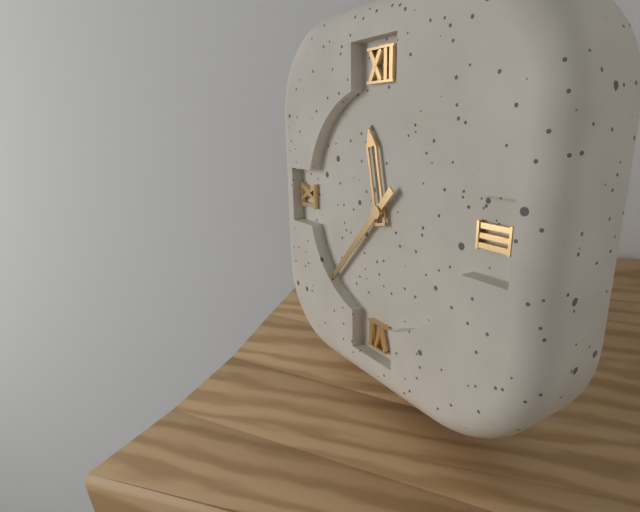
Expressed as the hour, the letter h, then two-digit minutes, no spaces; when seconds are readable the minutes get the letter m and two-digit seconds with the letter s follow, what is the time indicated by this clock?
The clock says 11h37
